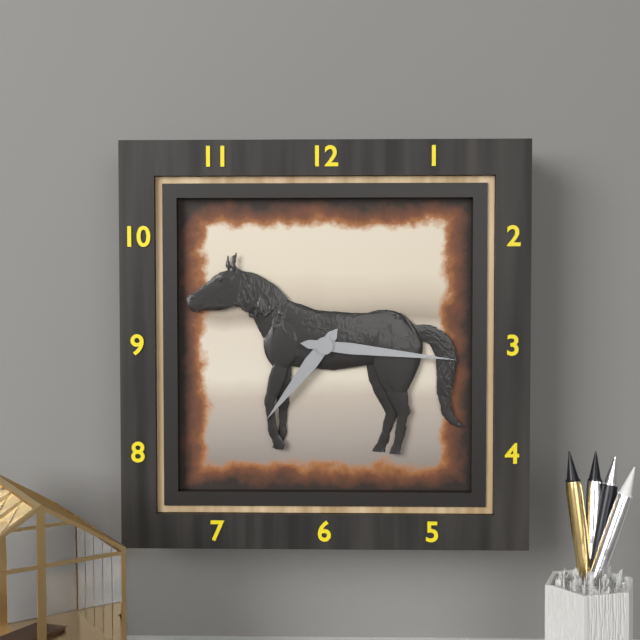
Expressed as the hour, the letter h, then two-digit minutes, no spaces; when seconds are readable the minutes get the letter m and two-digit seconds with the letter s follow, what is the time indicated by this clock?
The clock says 7h16
